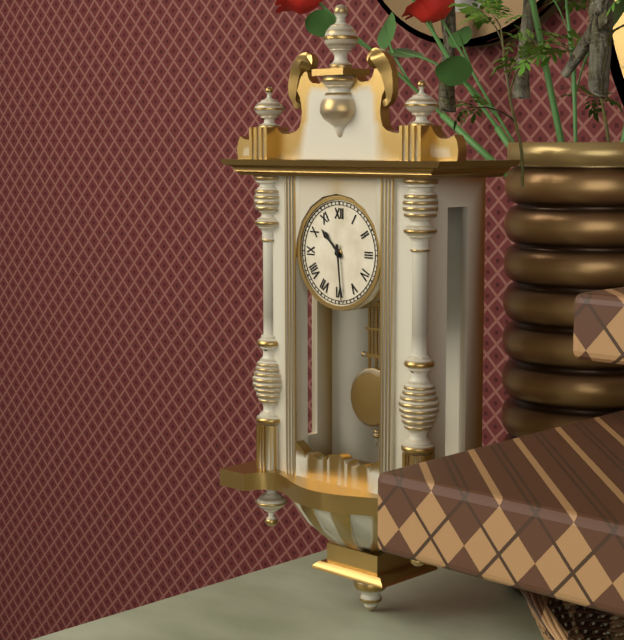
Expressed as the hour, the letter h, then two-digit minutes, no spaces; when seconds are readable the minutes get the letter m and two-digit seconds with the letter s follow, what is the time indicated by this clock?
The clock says 10h29
